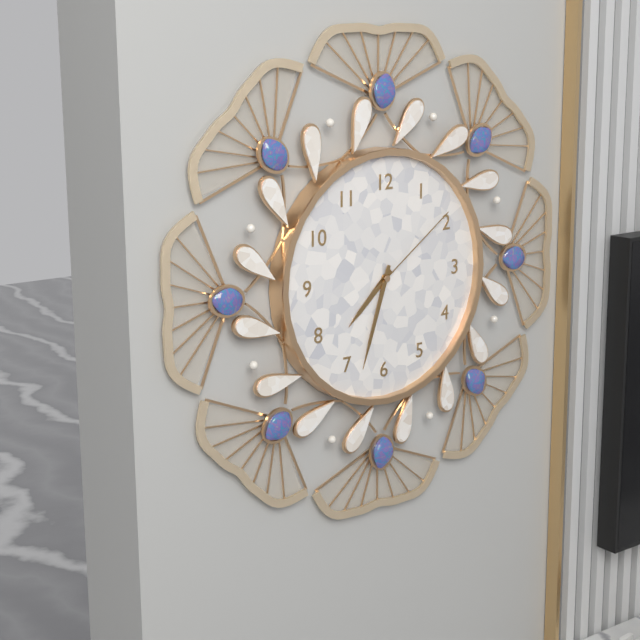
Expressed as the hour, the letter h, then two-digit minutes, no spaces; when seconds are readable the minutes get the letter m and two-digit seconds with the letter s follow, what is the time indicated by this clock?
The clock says 7h33m09s
